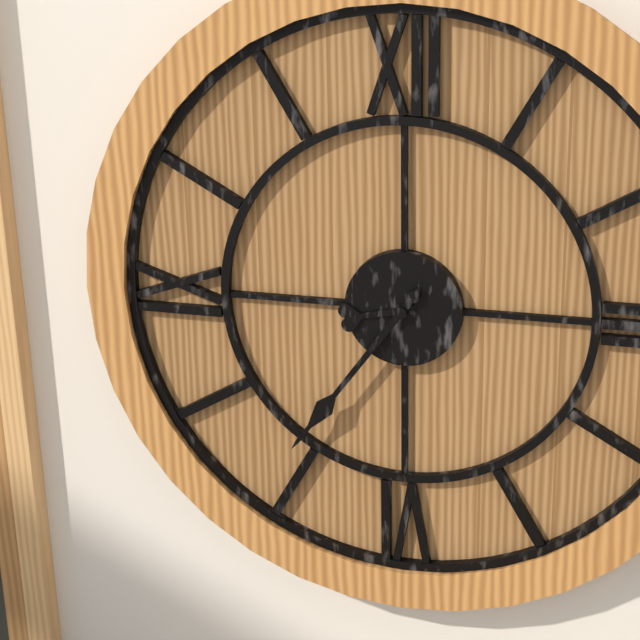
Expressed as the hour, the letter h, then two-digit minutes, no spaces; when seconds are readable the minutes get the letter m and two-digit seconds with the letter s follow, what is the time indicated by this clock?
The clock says 8h36
